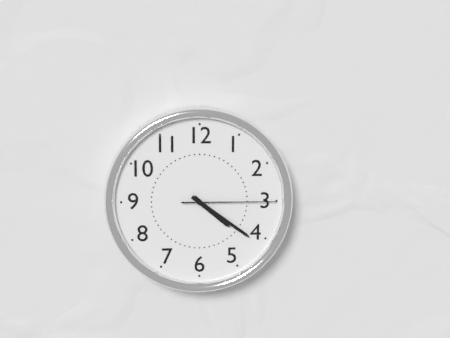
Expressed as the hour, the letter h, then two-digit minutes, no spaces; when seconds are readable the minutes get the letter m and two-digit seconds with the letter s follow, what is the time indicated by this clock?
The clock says 4h21m15s
